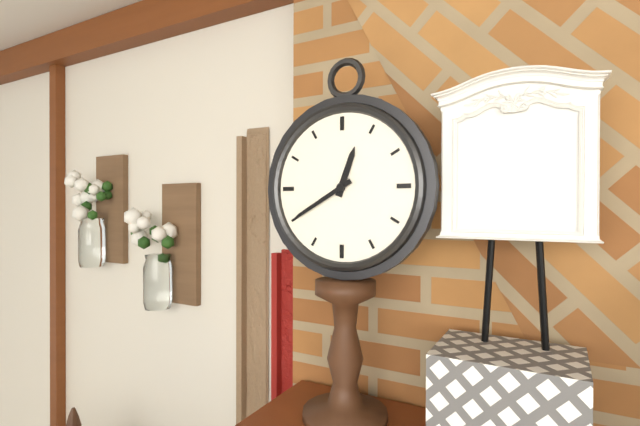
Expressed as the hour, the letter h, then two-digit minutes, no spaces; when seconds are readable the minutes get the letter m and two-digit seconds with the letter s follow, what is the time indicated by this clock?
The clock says 12h40
